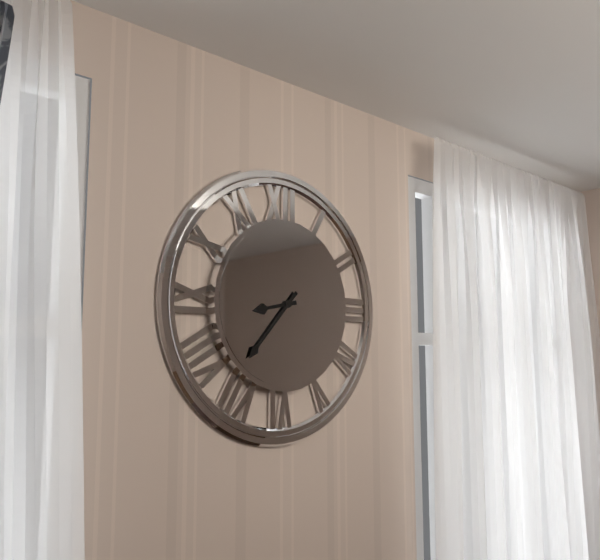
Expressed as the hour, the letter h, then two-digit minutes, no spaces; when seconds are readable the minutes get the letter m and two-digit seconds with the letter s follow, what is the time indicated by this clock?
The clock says 8h37
